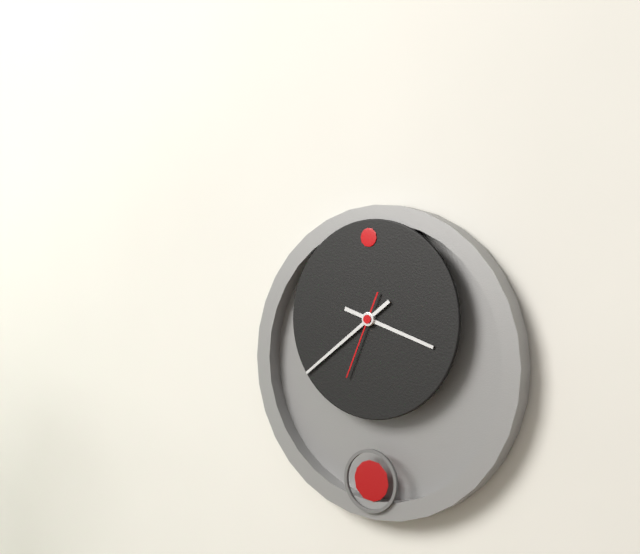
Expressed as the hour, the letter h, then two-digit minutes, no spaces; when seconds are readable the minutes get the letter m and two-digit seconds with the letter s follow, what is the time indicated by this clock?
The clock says 3h39m34s
